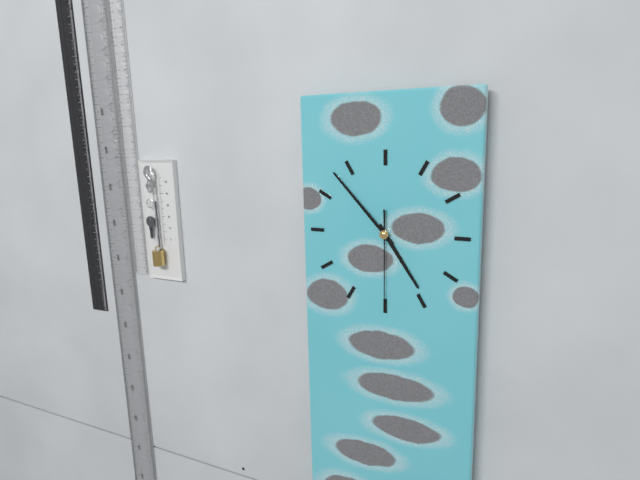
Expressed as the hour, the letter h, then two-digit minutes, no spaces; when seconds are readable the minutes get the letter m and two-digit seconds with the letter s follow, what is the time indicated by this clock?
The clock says 4h53m30s
